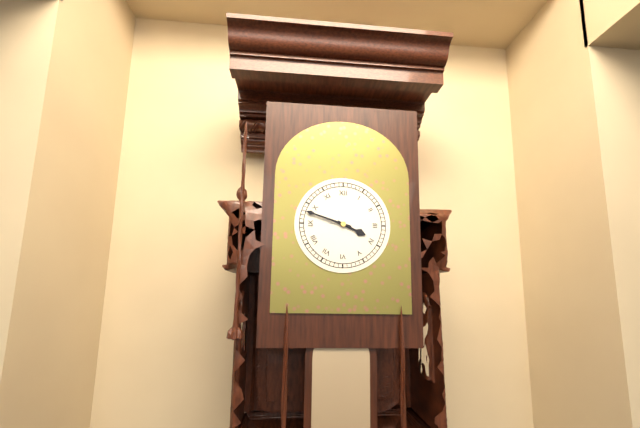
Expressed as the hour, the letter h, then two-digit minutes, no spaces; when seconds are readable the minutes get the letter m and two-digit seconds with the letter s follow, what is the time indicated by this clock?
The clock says 3h48
